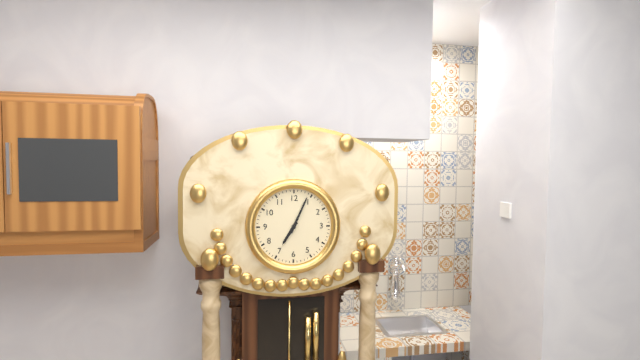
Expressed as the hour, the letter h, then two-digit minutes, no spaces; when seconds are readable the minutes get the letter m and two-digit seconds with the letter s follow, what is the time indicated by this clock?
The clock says 7h04
